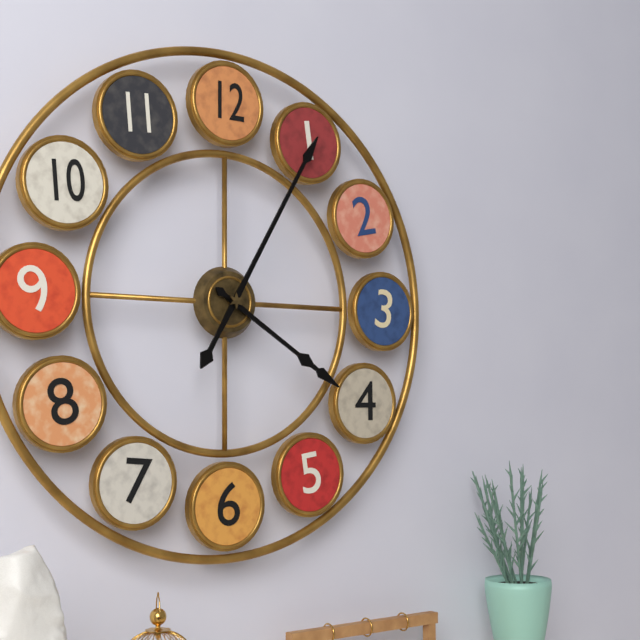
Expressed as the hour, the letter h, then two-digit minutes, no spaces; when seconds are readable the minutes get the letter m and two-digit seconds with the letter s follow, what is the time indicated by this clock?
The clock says 4h05
